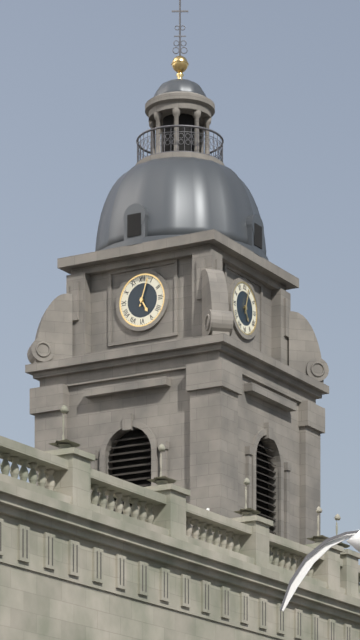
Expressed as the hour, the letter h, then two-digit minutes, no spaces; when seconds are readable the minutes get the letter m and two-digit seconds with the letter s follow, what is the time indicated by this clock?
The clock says 5h03
